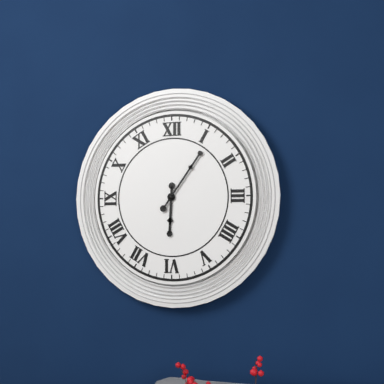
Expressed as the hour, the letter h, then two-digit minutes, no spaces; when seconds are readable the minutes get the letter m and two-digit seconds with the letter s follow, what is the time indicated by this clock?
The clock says 6h06
